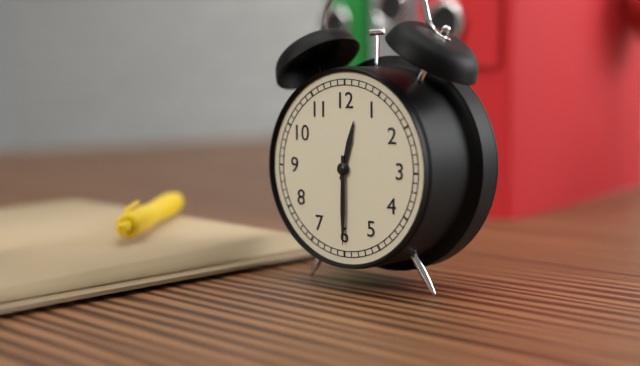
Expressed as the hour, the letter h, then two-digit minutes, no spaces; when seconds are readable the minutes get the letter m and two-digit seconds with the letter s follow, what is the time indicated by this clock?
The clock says 12h30
